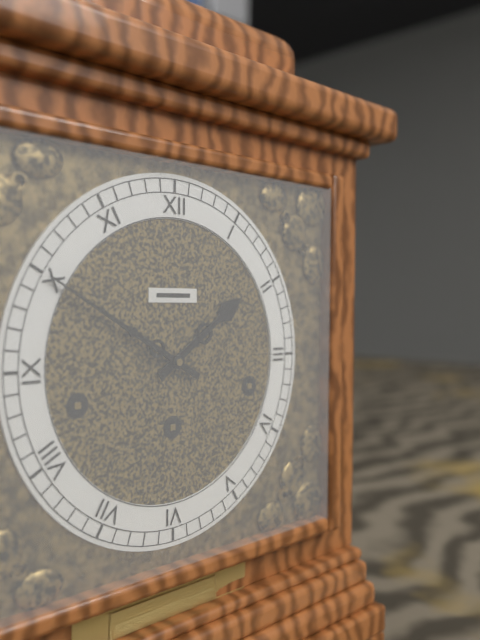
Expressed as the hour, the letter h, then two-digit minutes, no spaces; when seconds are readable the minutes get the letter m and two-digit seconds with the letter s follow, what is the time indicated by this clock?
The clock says 1h50
